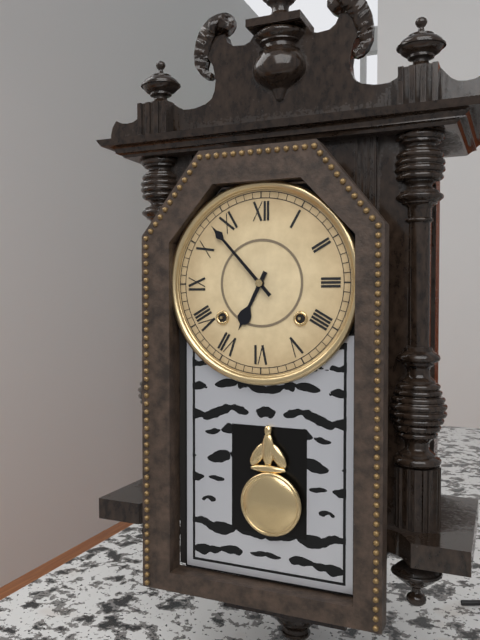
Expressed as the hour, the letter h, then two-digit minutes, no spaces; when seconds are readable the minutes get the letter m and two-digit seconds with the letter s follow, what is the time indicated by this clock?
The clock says 6h53
